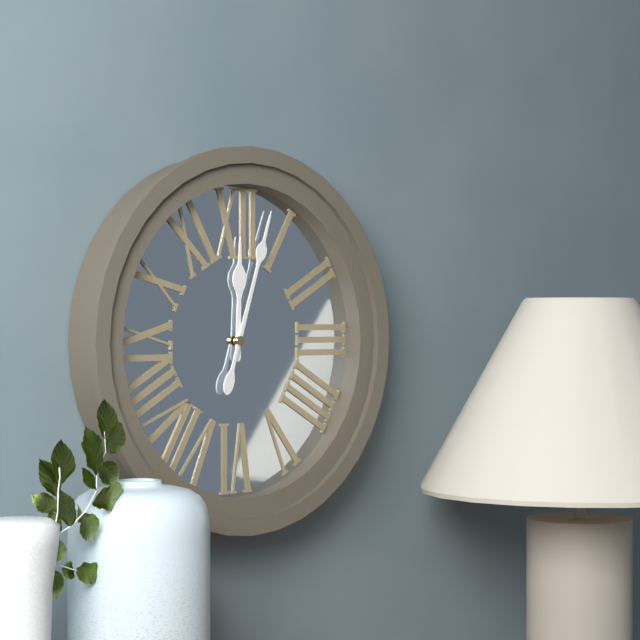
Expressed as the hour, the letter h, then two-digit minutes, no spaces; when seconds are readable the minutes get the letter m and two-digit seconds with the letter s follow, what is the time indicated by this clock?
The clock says 12h03
